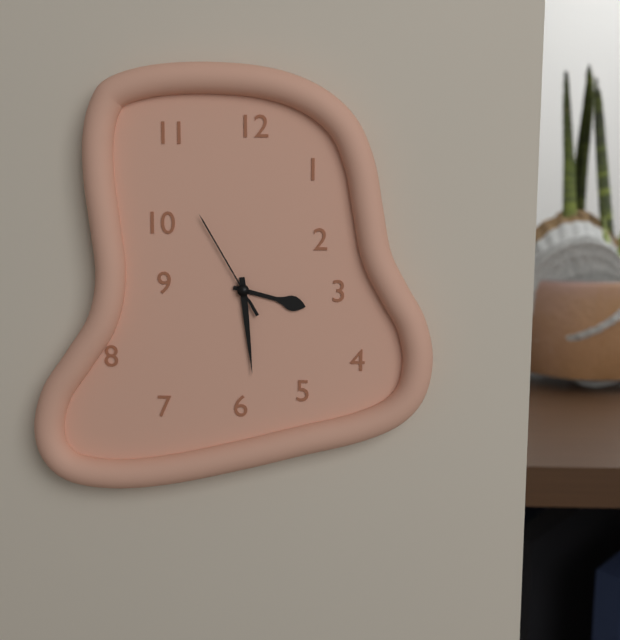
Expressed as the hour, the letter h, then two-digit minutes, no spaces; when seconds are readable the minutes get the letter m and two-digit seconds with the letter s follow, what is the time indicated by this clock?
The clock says 3h29m55s
